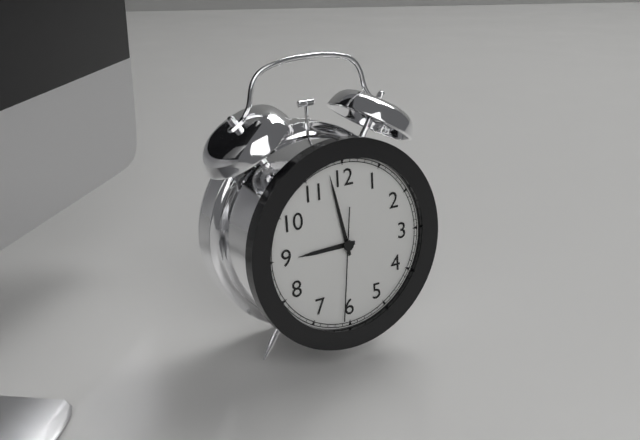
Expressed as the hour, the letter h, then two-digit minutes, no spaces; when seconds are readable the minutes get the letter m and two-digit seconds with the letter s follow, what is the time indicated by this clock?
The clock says 8h58m31s
